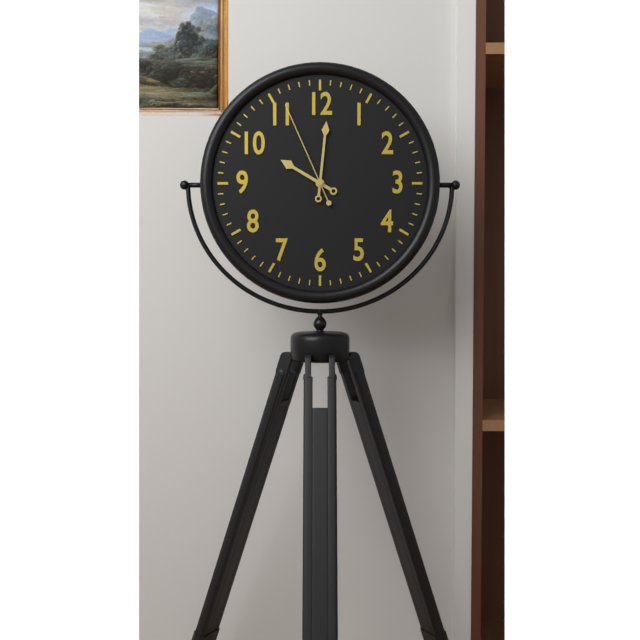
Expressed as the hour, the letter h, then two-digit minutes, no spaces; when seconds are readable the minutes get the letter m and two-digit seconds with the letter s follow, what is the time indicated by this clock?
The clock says 10h01m56s
